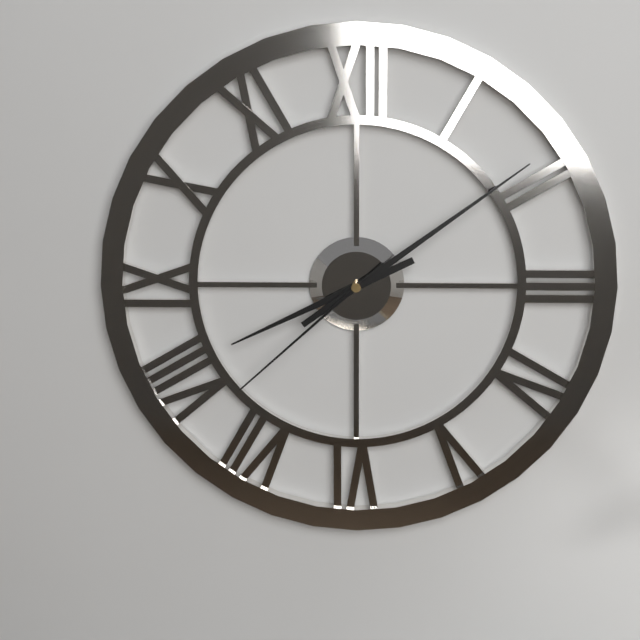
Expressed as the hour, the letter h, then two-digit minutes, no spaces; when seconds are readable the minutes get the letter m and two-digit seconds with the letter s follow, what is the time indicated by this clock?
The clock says 8h09m38s
